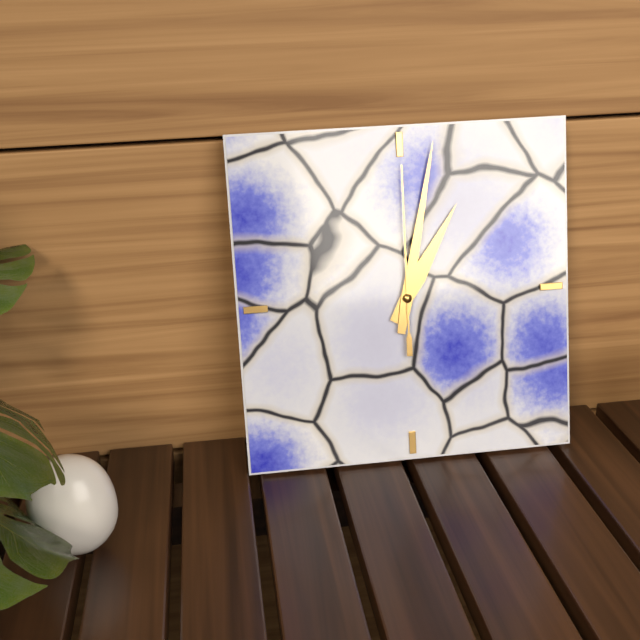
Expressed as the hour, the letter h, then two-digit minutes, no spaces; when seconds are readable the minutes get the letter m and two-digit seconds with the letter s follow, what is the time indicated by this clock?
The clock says 1h02m00s
